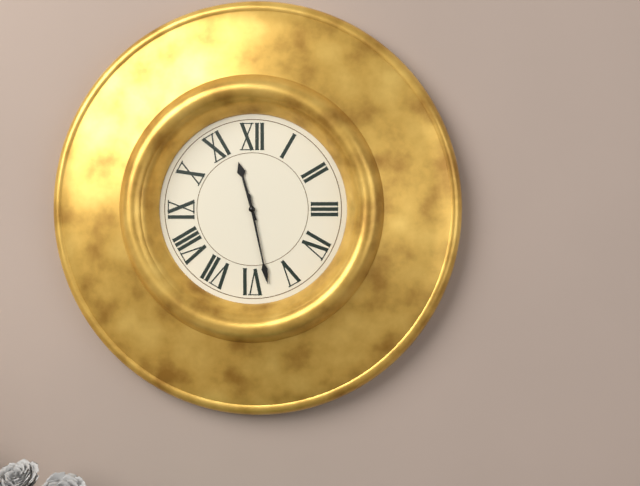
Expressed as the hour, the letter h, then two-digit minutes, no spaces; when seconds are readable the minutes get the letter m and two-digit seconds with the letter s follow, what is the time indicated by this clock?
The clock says 11h28
